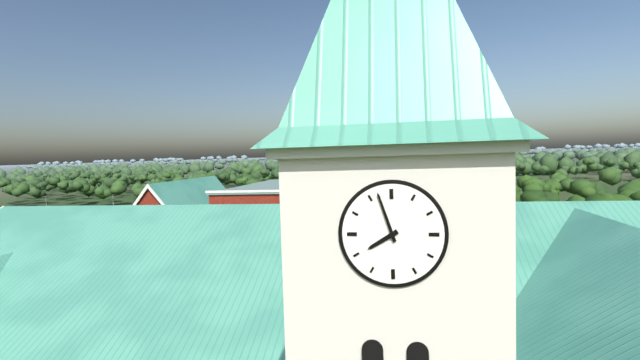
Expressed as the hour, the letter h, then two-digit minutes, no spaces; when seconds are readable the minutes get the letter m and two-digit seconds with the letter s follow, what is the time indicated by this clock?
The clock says 7h57
